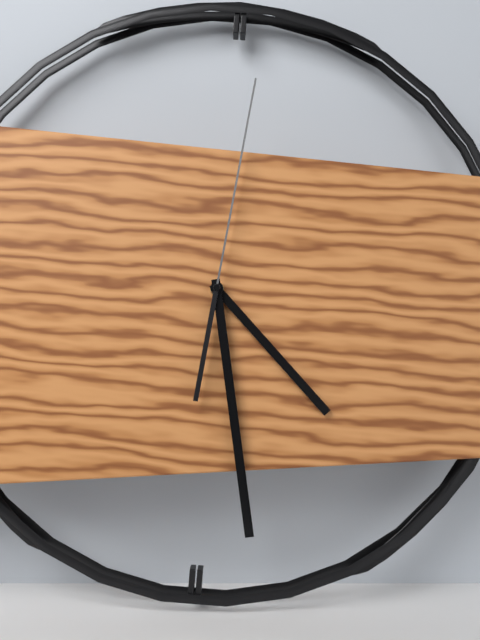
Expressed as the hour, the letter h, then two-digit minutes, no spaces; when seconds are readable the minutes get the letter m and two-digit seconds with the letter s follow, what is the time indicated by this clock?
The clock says 4h28m01s
